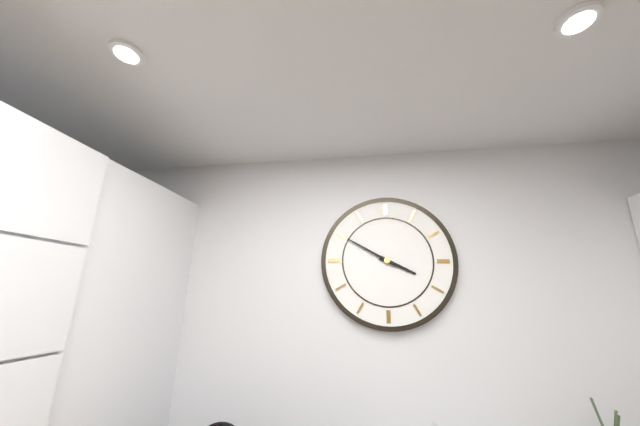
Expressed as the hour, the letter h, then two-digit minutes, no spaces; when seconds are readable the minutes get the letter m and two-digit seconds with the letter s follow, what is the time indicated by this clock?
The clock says 3h50
